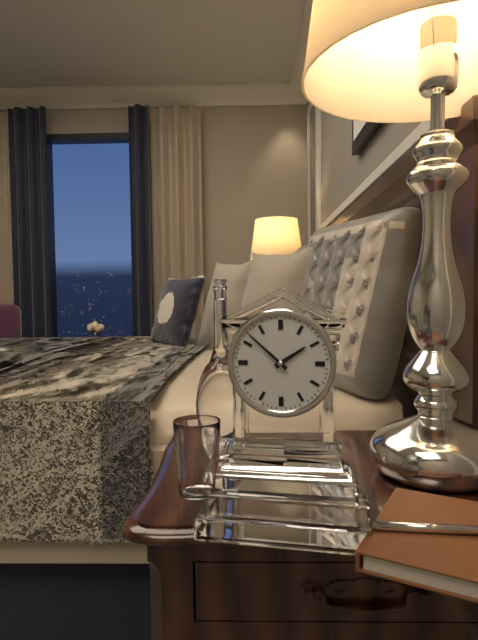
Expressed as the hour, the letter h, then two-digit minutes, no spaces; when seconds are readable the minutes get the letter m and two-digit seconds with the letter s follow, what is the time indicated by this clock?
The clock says 1h52
